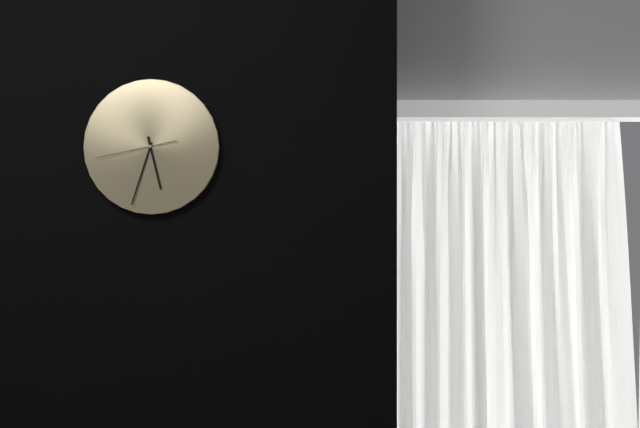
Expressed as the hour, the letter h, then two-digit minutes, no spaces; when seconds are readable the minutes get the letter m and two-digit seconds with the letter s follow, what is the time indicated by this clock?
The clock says 5h33m43s
